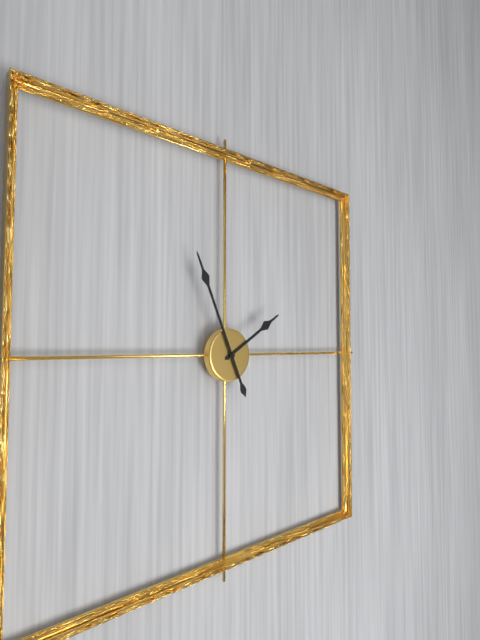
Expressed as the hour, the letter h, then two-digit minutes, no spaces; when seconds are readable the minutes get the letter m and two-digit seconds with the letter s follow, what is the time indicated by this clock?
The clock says 1h56
